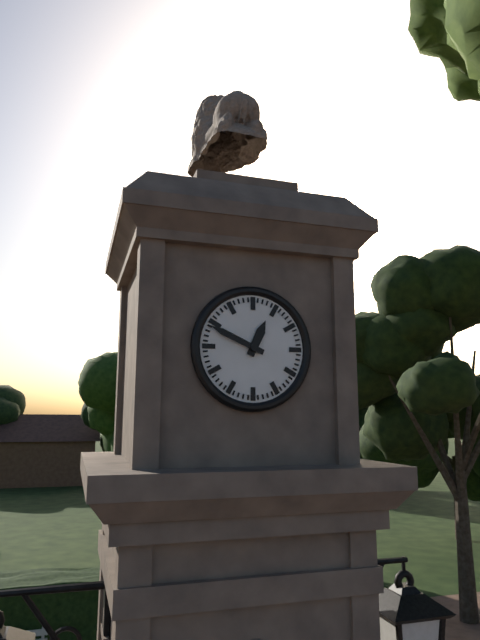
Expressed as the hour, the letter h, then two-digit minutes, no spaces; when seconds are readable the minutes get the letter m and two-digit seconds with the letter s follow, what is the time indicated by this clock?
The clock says 12h49
